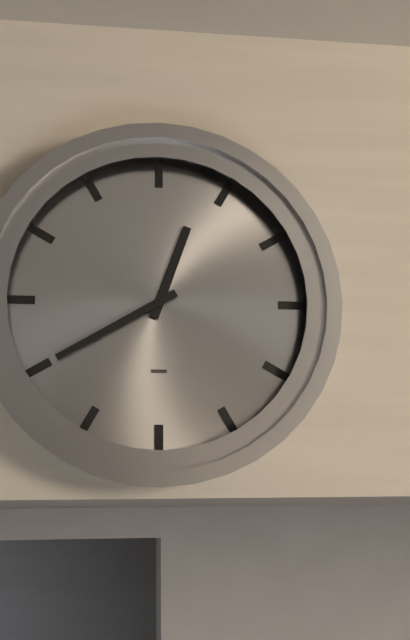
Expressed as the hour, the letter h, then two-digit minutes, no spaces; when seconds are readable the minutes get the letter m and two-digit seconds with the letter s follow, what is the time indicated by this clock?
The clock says 12h40
